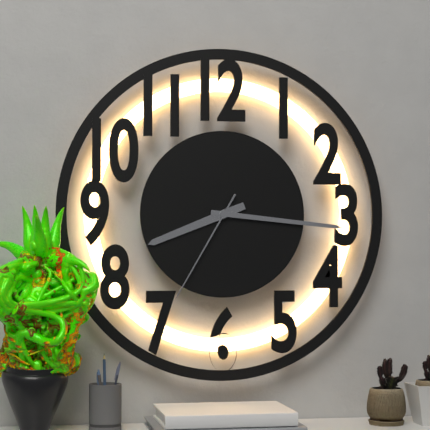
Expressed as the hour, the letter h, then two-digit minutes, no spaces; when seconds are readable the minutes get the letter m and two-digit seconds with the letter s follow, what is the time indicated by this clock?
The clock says 8h16m35s
